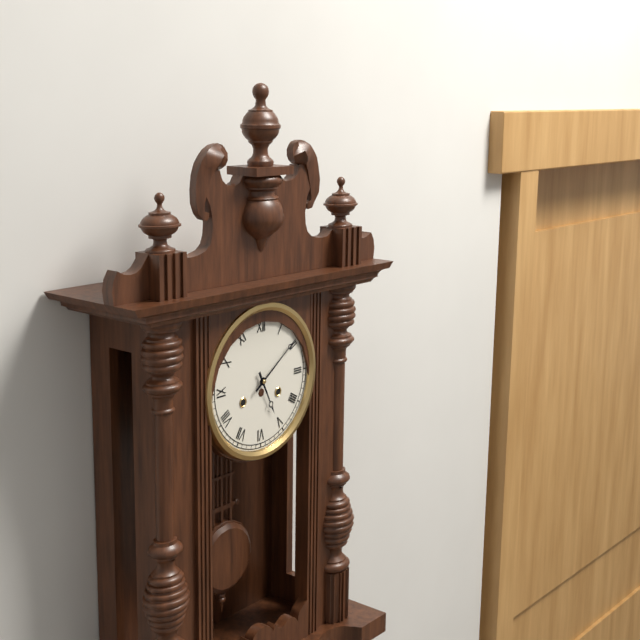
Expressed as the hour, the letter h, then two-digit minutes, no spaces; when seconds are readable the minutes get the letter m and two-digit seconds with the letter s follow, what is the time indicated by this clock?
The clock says 5h09
